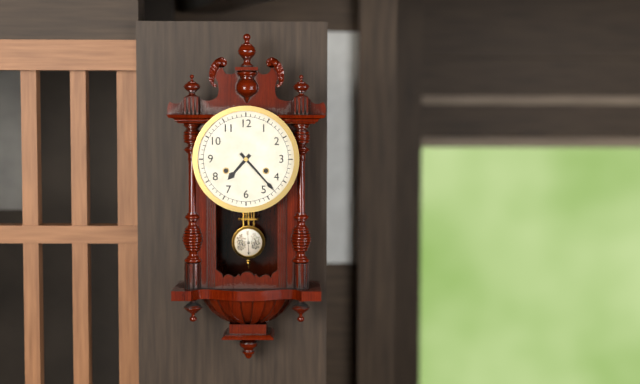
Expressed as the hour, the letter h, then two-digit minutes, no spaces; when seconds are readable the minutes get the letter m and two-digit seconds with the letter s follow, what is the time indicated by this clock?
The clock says 7h23
